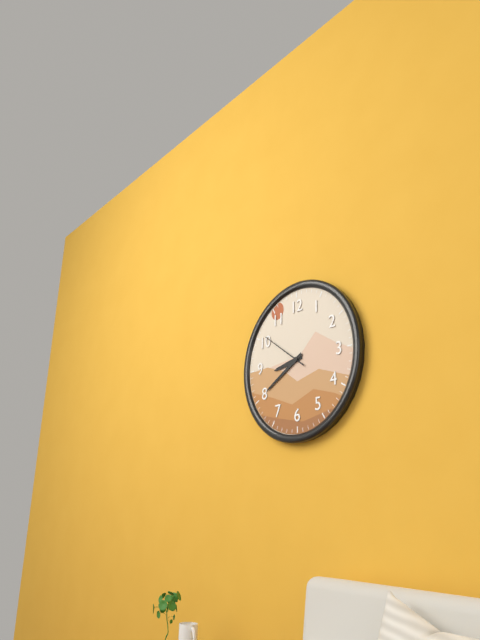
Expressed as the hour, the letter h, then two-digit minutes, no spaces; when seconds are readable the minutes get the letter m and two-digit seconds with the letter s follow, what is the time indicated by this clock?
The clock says 8h40
